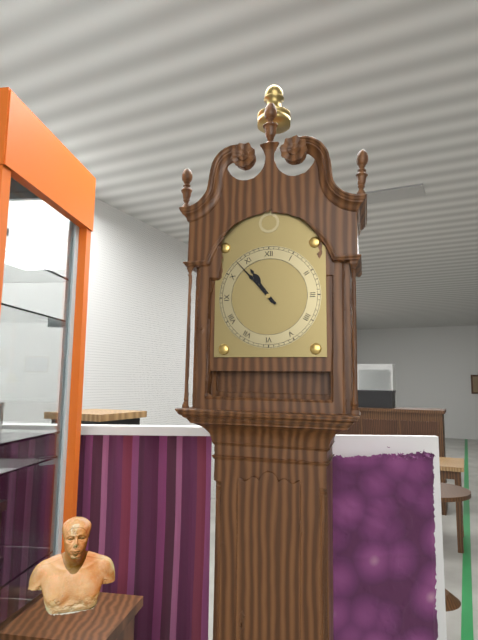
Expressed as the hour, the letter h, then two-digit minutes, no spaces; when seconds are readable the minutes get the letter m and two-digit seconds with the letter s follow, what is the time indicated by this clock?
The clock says 10h53
